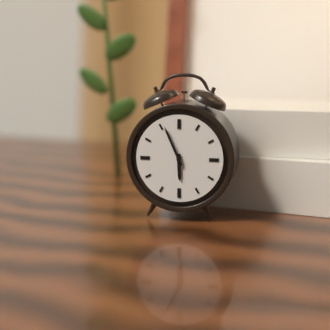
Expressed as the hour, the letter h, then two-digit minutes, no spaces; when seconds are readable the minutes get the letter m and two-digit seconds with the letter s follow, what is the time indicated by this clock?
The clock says 5h56
